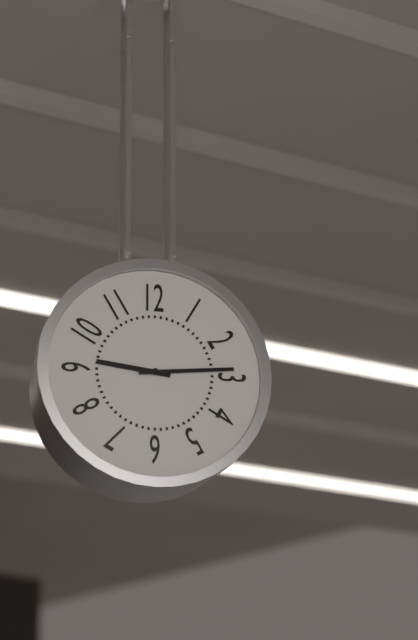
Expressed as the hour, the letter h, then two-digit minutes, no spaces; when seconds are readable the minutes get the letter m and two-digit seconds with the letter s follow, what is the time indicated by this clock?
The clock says 9h14
